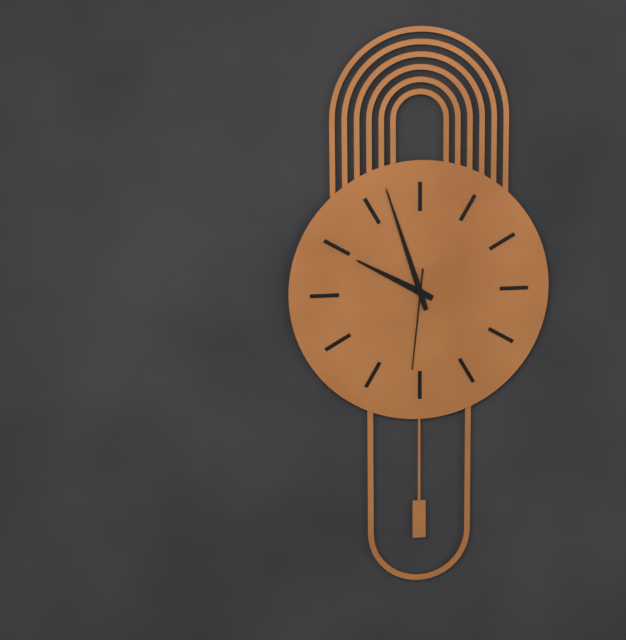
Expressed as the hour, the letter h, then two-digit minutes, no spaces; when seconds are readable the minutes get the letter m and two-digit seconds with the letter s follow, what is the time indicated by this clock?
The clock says 9h57m31s
